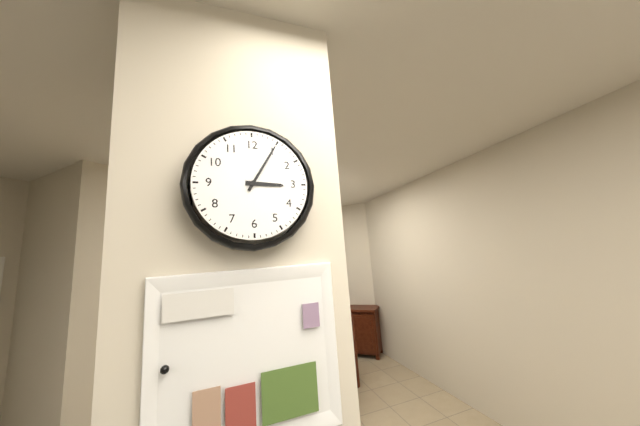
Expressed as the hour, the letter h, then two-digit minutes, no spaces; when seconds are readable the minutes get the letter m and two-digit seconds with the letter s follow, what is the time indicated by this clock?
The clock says 3h05
